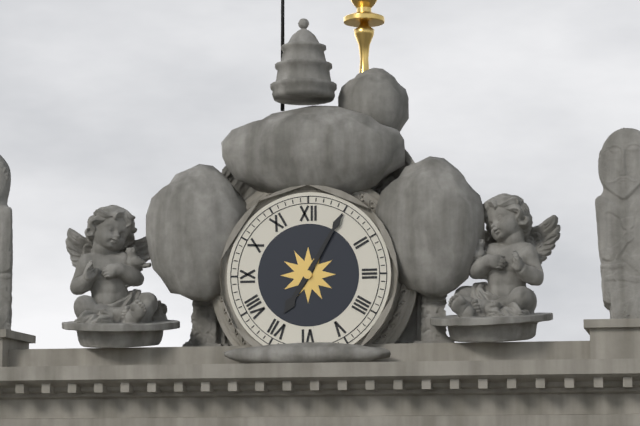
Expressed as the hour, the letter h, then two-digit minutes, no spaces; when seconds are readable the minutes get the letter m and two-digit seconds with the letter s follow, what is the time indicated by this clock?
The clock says 7h05
